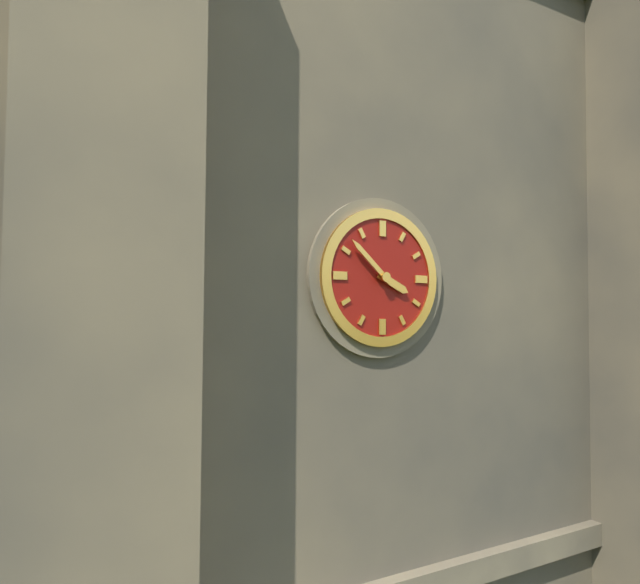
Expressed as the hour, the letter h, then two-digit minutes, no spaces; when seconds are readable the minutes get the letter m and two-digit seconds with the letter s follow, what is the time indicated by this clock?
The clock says 3h52
